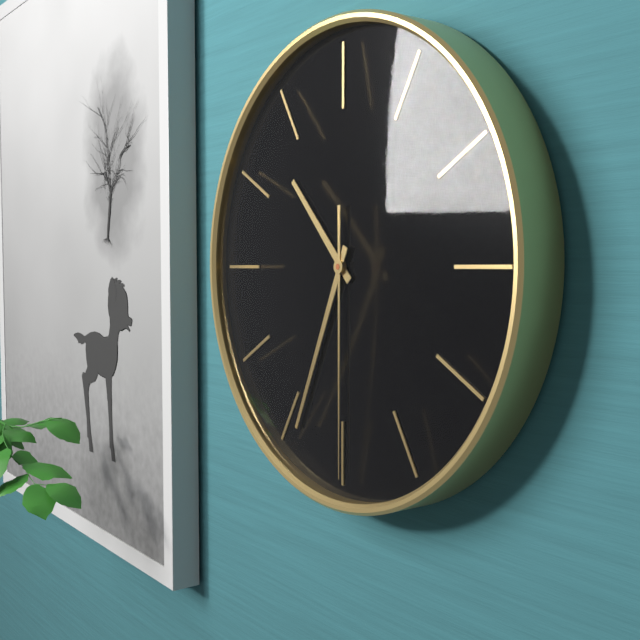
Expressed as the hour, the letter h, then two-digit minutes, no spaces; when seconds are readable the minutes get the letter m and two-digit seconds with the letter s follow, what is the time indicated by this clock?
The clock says 10h34m30s
